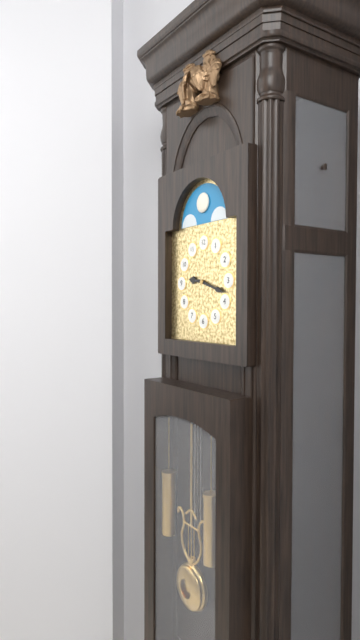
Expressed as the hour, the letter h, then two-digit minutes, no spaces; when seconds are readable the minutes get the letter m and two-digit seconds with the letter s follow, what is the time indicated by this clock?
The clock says 9h18
